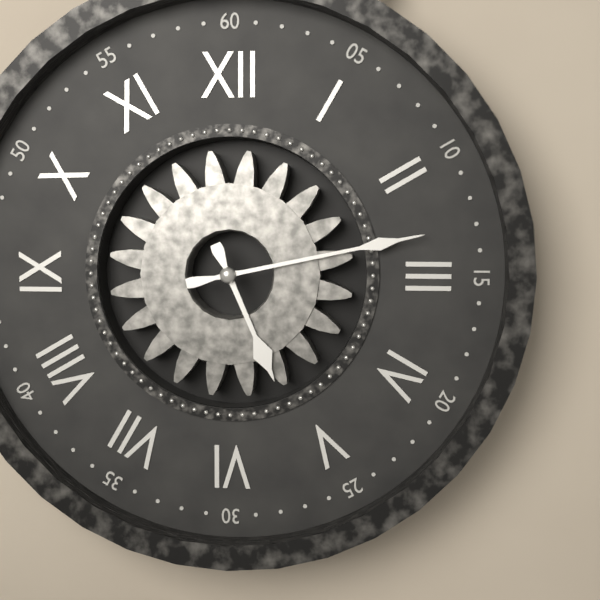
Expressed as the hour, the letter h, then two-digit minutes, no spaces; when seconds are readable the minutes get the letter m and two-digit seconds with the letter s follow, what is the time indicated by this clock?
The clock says 5h13
